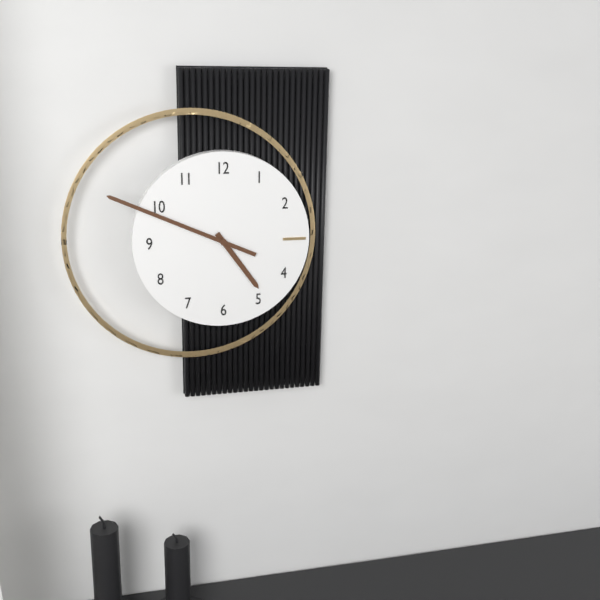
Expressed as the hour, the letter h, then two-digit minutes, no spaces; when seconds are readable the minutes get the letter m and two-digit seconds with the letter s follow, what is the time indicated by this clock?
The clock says 4h49
